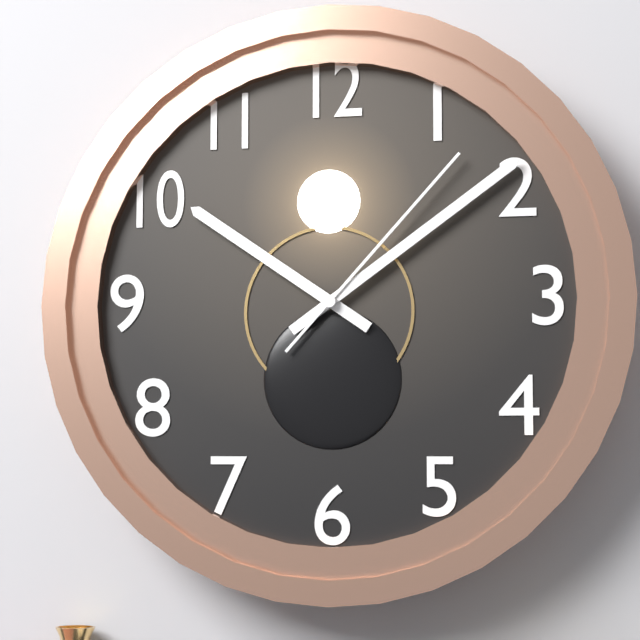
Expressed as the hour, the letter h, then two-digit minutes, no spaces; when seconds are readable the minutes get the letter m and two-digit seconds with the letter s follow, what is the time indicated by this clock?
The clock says 10h09m07s
